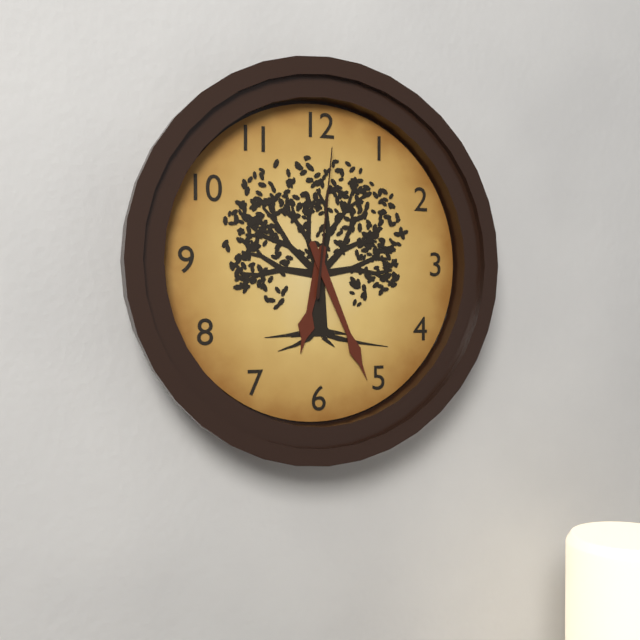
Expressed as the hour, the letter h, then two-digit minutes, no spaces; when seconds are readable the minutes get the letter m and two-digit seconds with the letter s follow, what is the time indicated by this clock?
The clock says 6h26m01s
